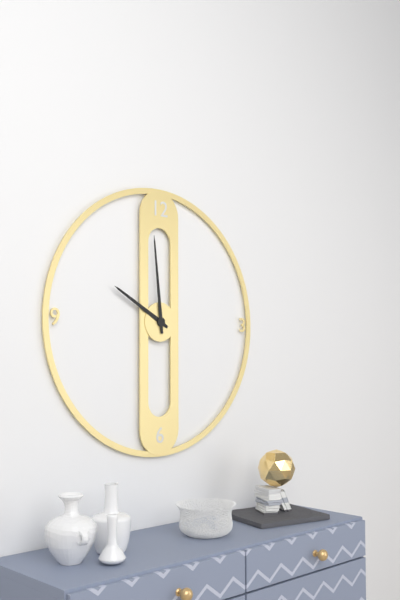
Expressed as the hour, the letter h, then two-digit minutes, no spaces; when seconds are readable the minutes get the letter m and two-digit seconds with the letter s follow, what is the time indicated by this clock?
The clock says 9h59
